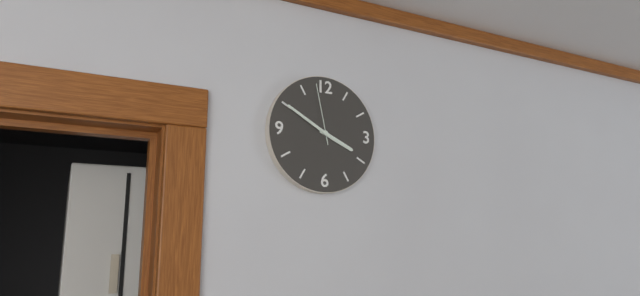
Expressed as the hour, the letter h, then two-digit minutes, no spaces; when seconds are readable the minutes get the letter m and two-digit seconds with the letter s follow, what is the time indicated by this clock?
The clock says 3h50m58s
